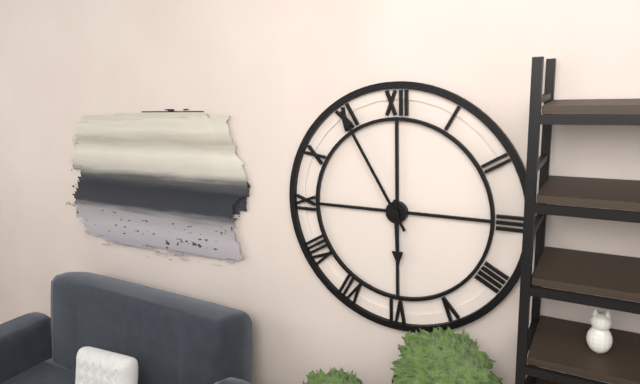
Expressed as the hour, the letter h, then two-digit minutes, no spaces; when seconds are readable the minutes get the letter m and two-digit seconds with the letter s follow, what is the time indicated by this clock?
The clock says 5h55
